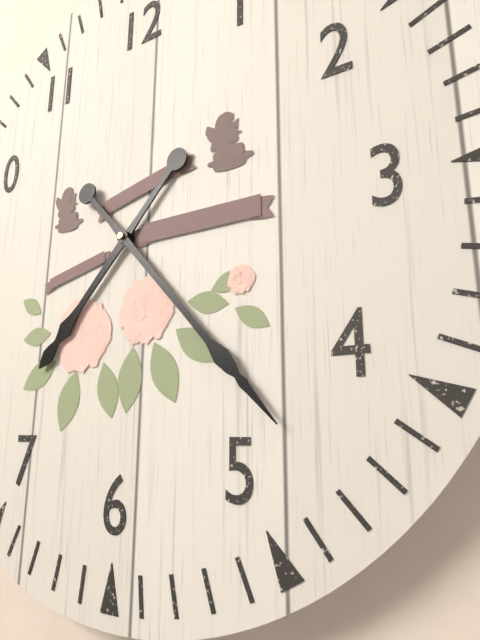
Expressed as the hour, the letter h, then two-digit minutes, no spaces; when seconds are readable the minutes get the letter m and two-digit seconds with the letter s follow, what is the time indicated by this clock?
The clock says 7h23
